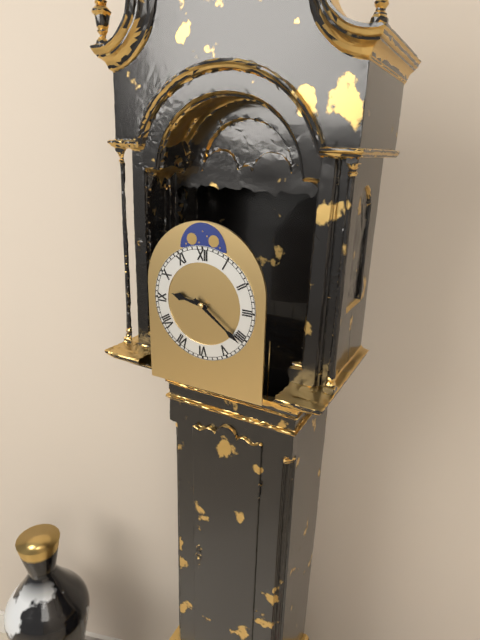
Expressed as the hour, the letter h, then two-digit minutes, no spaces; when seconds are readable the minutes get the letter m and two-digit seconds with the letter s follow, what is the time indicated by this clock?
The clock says 9h21
